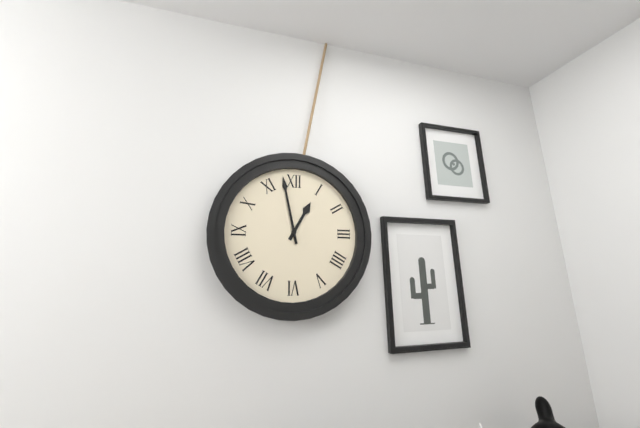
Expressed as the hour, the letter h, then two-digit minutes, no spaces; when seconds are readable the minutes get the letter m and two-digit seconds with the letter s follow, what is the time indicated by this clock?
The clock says 12h58
